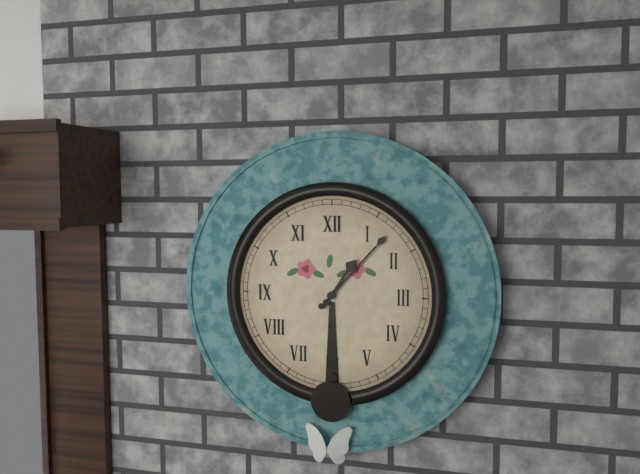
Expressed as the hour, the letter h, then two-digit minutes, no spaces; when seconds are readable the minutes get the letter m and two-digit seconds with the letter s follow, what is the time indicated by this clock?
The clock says 1h07
